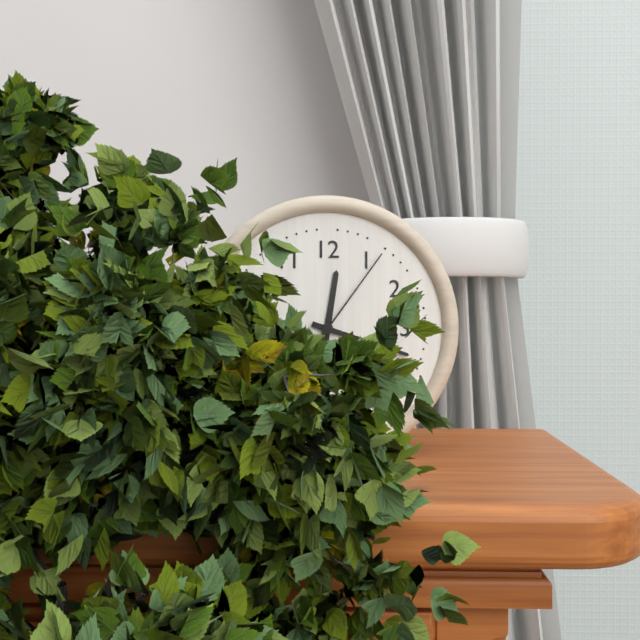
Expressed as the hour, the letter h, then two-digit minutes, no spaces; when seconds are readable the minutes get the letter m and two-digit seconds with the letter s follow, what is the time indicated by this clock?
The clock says 12h18m06s
